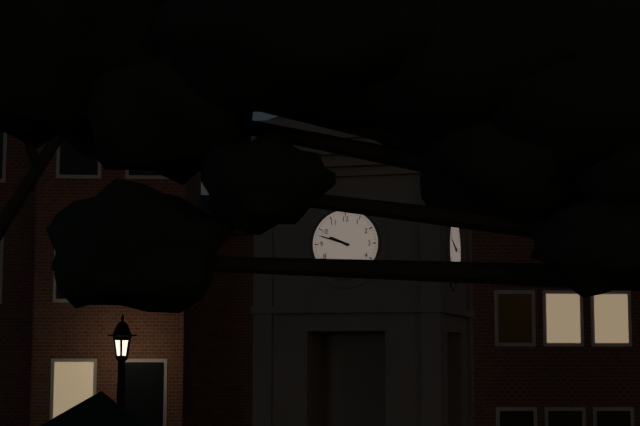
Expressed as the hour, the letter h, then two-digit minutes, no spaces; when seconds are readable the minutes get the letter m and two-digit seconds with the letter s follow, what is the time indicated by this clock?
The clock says 9h48
